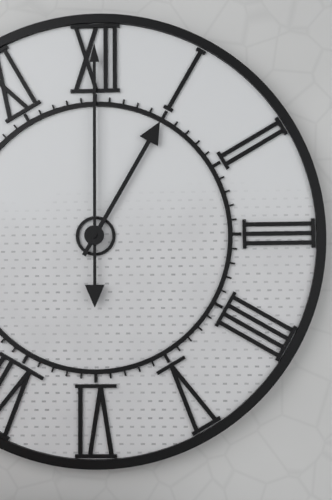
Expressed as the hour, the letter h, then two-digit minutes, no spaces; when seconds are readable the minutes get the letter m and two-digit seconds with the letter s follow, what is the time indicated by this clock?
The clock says 1h00
